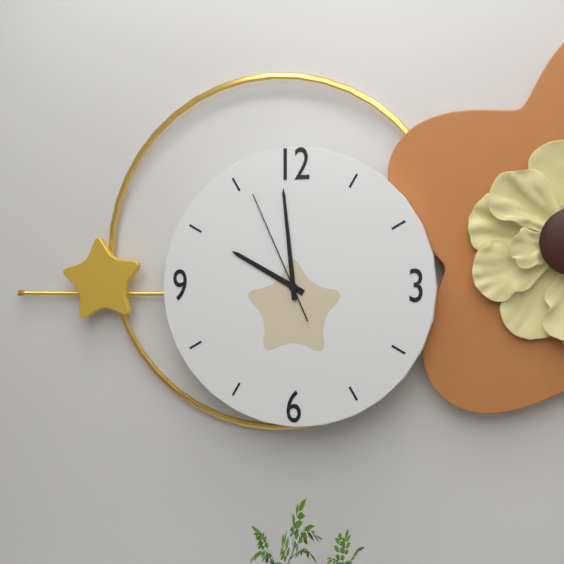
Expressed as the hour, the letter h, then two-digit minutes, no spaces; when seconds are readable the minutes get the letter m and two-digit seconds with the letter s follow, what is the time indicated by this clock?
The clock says 9h59m56s
